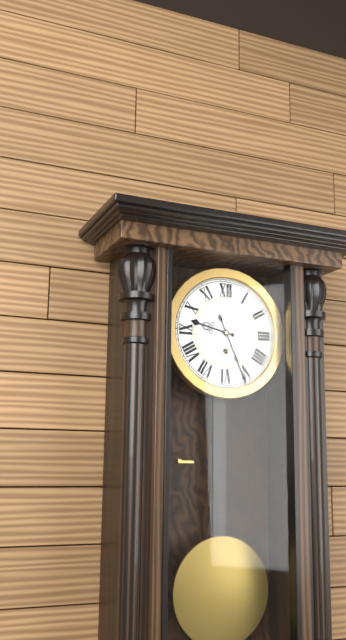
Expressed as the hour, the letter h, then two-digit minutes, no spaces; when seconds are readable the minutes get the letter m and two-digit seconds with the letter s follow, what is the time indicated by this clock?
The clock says 9h26
